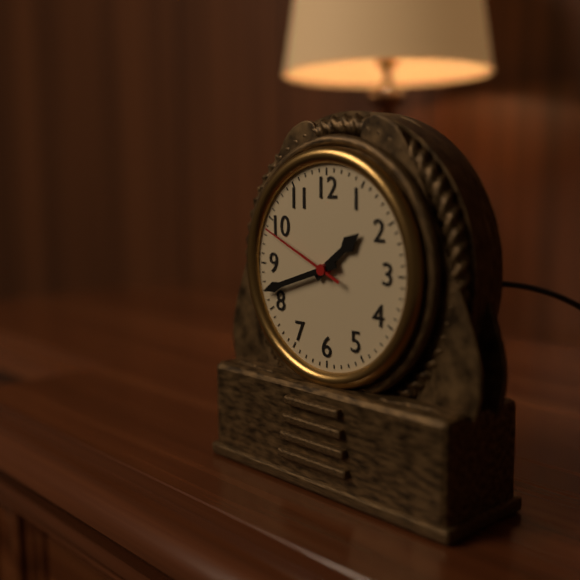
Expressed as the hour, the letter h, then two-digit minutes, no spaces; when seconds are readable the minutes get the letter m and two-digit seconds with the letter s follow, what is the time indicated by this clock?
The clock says 1h42m49s
